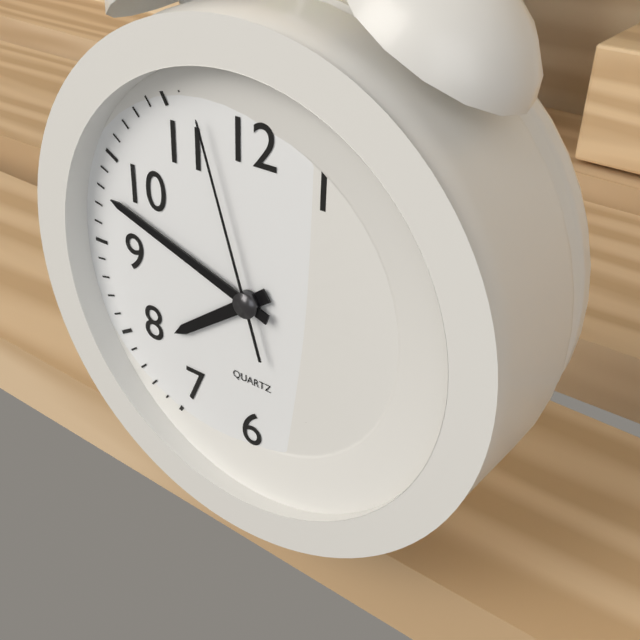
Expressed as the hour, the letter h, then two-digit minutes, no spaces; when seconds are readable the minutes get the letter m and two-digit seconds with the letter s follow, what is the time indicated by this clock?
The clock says 7h48m57s
